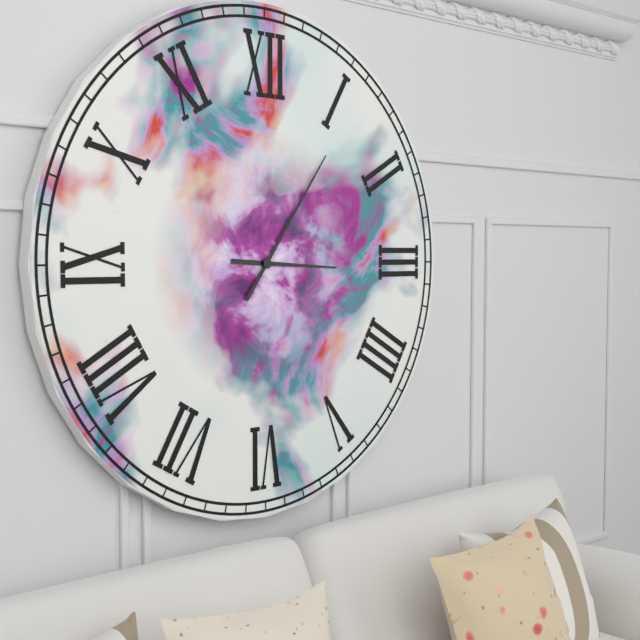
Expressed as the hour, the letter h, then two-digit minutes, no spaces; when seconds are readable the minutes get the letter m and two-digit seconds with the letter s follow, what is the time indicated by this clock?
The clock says 3h06
